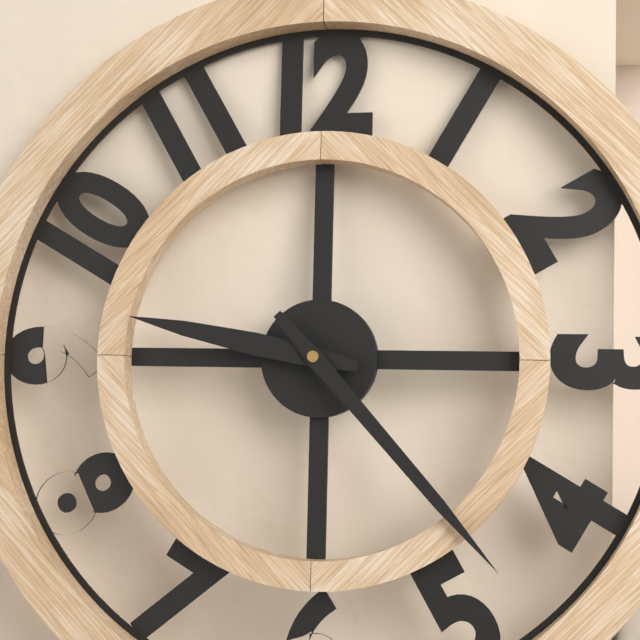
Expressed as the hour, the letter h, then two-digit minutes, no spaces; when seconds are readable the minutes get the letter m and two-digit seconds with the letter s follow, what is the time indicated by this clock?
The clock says 9h23
